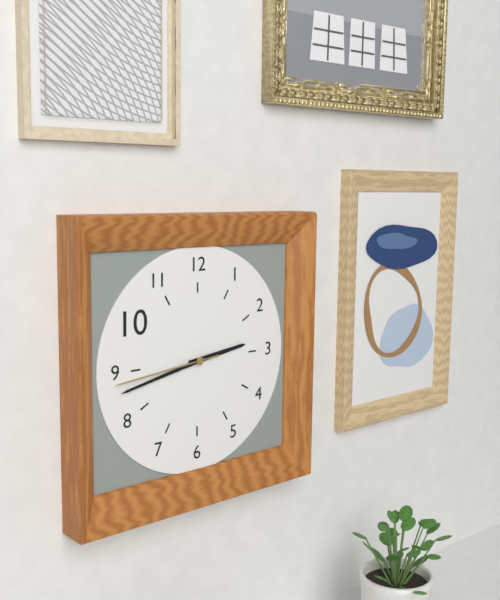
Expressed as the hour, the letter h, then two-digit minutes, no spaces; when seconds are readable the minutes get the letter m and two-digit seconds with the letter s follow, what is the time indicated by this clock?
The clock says 2h43m44s
